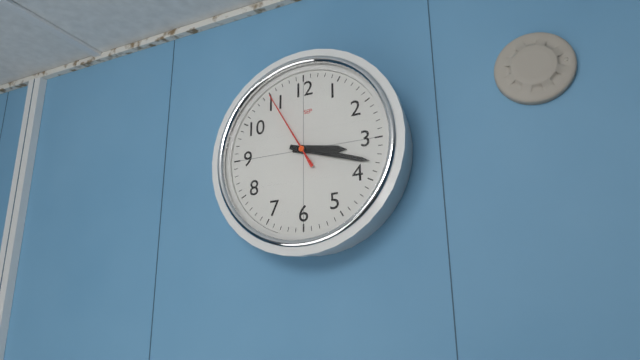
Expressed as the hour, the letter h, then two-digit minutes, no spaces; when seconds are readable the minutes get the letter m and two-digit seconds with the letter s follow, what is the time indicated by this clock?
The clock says 3h18m55s
